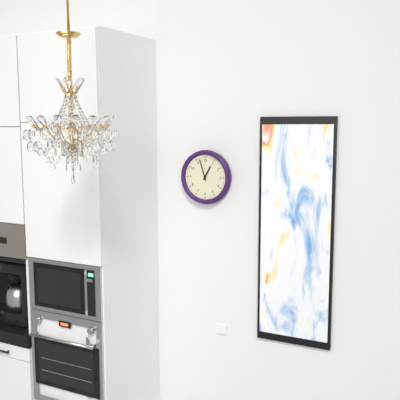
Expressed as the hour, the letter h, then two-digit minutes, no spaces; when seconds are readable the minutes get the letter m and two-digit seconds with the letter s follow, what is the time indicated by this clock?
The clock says 12h57
